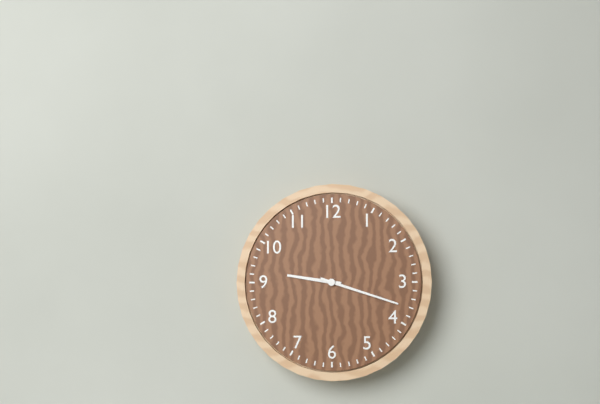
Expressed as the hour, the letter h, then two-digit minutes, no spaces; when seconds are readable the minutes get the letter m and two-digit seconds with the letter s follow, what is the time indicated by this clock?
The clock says 9h18
